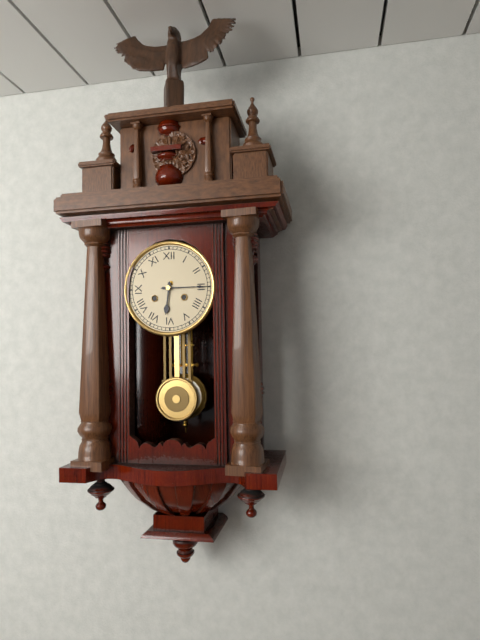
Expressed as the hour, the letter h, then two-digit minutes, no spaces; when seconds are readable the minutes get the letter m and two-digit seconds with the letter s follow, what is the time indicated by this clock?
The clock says 6h15
